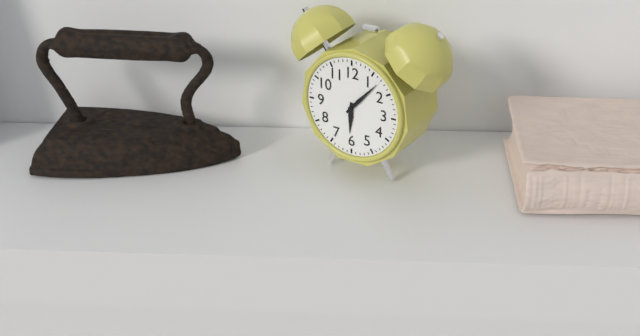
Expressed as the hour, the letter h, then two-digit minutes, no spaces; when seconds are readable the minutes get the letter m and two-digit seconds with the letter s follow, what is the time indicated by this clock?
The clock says 6h07
